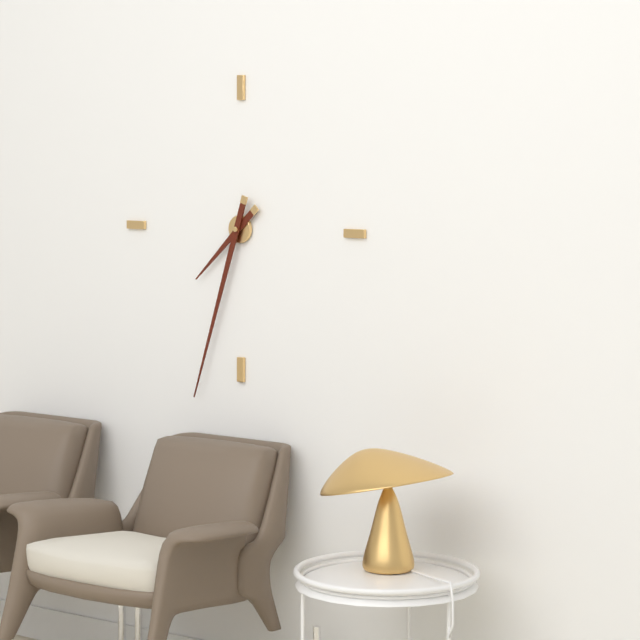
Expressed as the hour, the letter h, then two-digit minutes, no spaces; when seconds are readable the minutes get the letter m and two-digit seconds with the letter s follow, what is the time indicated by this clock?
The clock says 7h33
